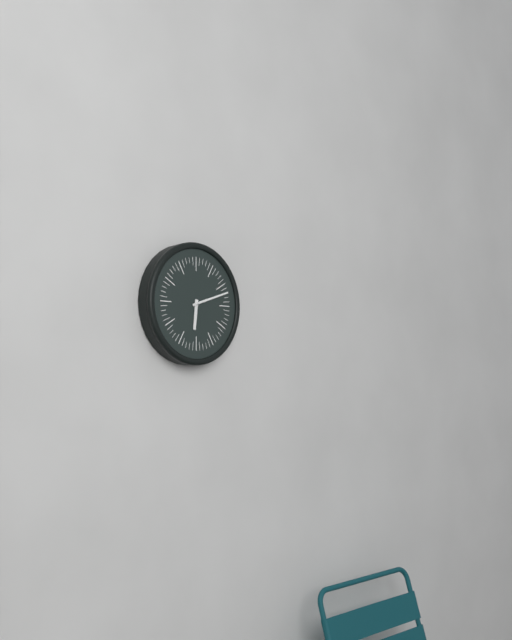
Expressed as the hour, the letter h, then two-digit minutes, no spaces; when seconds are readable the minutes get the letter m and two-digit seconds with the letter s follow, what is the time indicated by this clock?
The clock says 6h12
